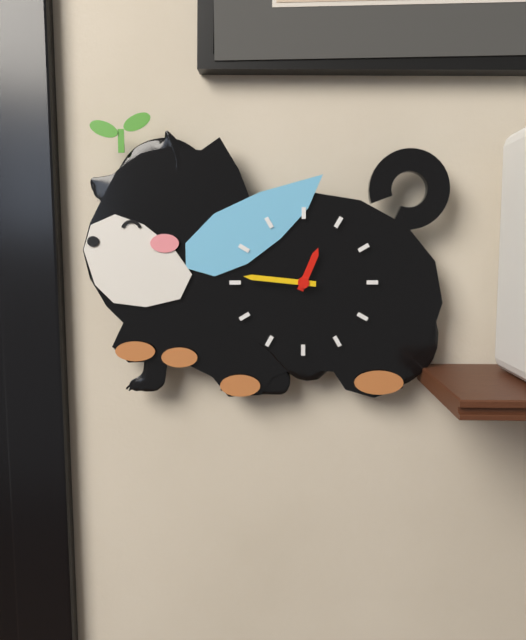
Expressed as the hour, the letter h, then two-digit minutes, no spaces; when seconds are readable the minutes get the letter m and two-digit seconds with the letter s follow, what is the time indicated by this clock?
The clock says 12h46
